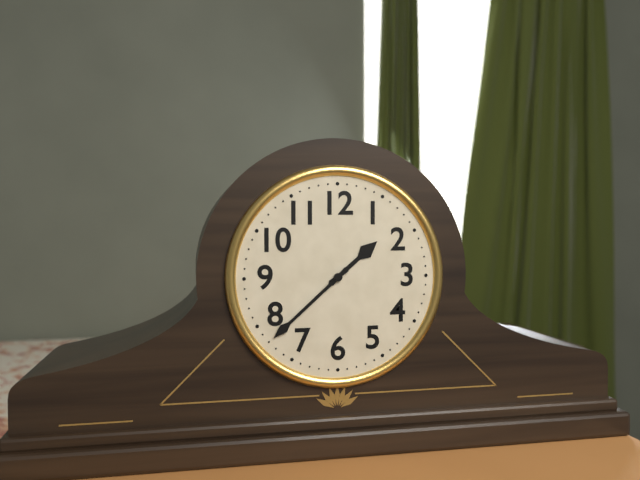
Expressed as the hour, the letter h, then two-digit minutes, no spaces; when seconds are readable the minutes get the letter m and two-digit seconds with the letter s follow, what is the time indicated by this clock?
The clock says 1h38
